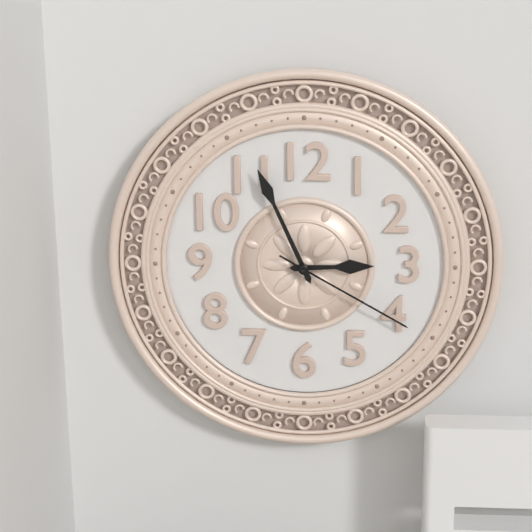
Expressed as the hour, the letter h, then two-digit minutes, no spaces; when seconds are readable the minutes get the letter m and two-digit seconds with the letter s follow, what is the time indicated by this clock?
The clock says 2h56m20s
